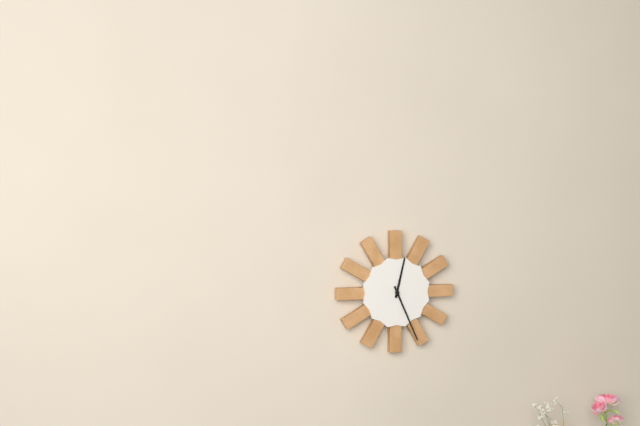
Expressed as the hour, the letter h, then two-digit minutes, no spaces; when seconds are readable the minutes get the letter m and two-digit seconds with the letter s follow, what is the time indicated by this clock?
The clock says 12h26
